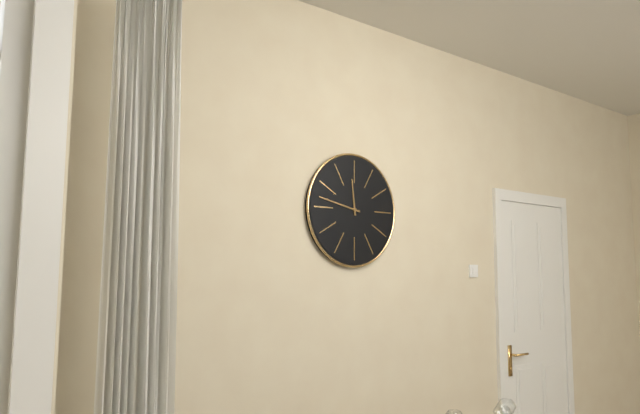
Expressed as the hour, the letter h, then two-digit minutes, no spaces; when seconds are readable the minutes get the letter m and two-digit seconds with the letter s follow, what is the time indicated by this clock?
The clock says 11h47
